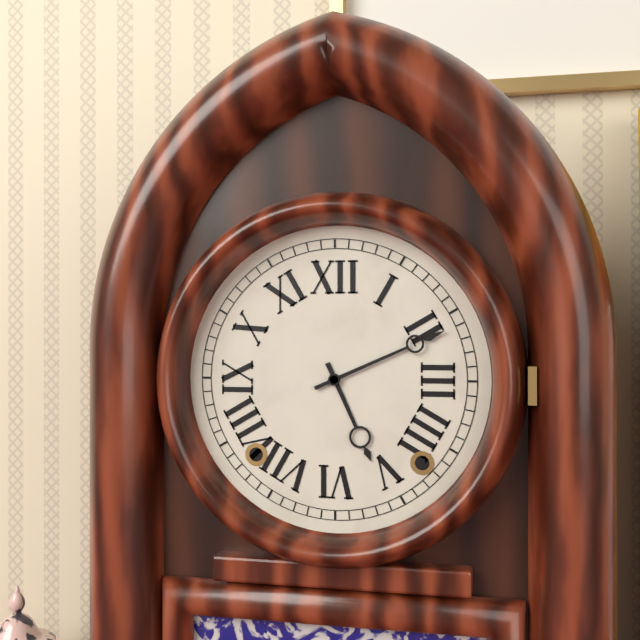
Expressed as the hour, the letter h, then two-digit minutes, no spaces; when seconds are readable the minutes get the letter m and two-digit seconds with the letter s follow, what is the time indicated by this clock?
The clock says 5h11
